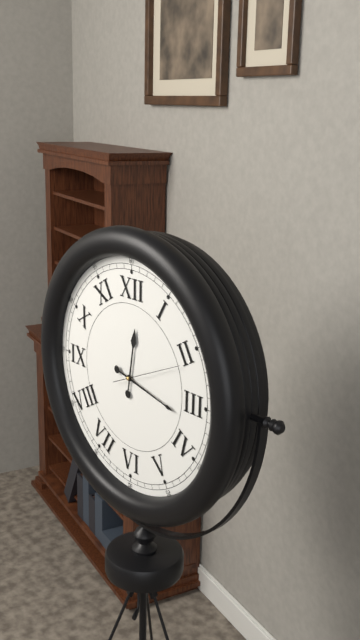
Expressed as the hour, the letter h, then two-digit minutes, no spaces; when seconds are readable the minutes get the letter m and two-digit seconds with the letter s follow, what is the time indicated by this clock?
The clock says 12h17m11s
